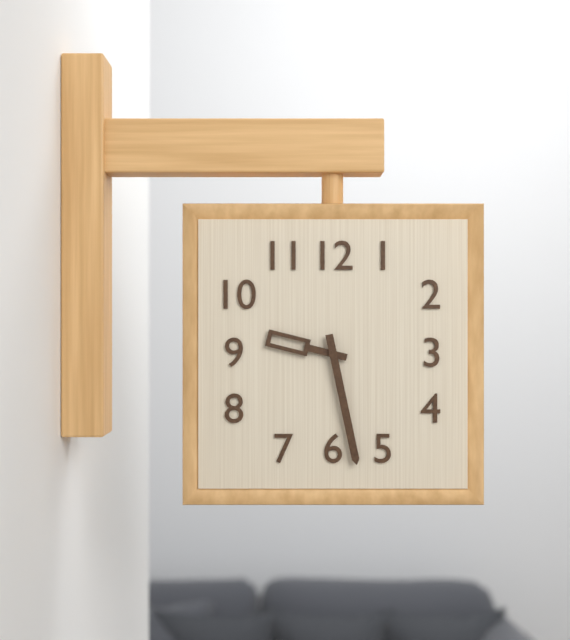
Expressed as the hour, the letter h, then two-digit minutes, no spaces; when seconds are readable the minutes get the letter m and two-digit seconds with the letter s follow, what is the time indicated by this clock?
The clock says 9h28
